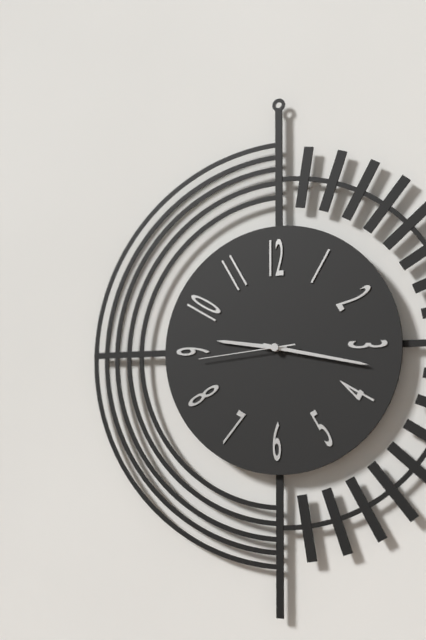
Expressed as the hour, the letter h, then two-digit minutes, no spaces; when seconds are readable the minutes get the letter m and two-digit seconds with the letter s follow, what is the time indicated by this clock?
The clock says 9h17m44s
